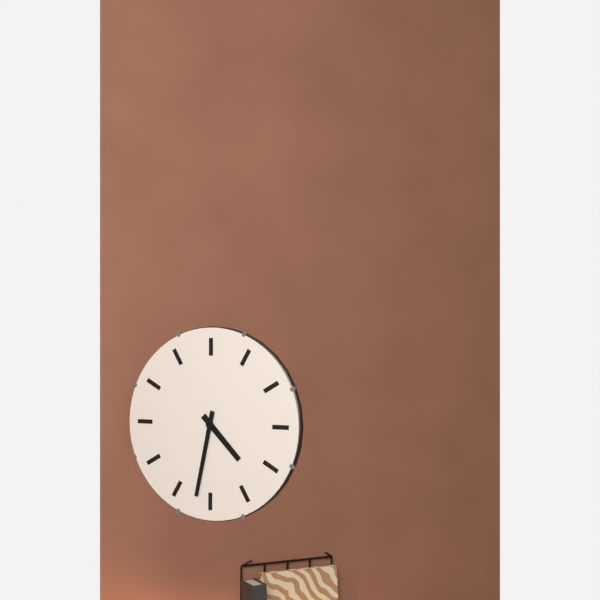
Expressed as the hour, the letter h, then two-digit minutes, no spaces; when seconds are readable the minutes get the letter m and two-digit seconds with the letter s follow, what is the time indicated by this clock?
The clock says 4h32
